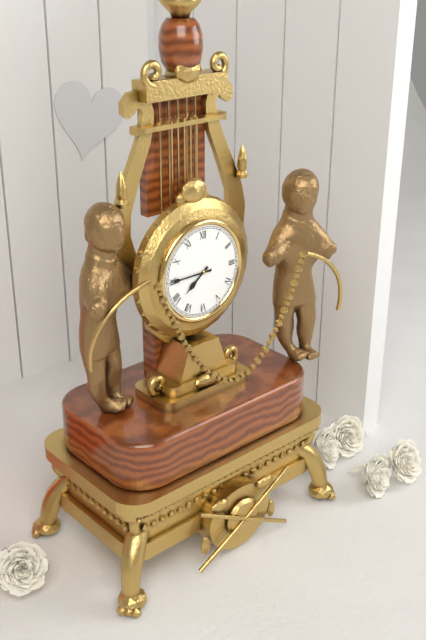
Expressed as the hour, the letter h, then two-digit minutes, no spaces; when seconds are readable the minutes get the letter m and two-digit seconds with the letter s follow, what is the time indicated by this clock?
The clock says 7h45
